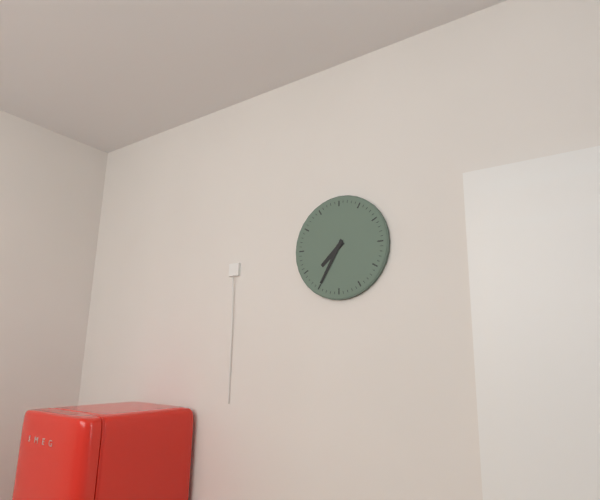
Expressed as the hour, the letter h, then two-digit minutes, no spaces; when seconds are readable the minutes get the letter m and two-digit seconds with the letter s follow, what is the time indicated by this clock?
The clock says 7h35
